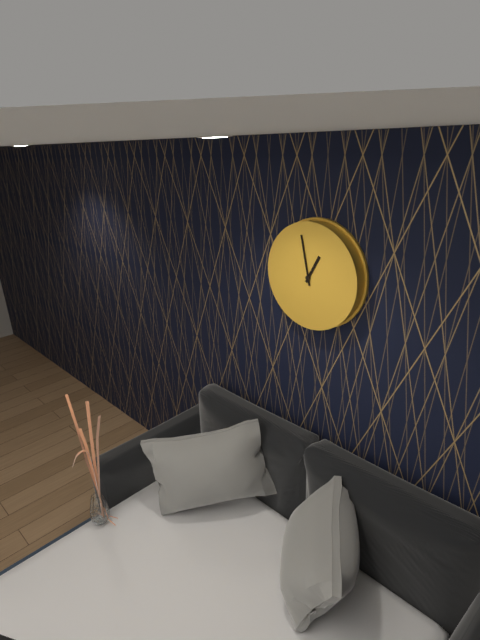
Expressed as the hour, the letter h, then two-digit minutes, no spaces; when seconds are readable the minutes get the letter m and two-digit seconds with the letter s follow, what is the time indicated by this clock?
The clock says 12h58
